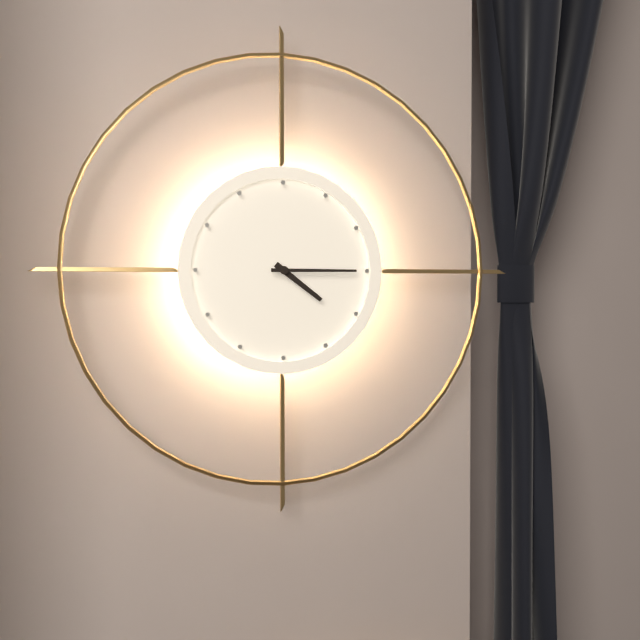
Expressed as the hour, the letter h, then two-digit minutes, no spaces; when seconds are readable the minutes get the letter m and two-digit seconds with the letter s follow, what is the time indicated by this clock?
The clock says 4h15
